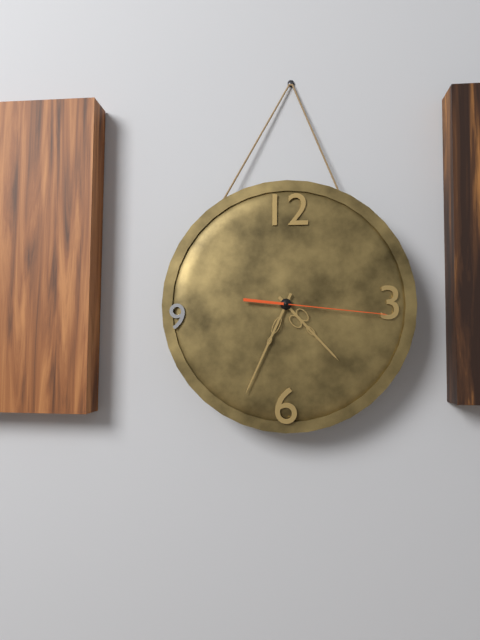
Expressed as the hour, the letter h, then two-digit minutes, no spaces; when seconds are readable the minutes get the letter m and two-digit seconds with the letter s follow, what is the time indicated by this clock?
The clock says 4h34m16s
